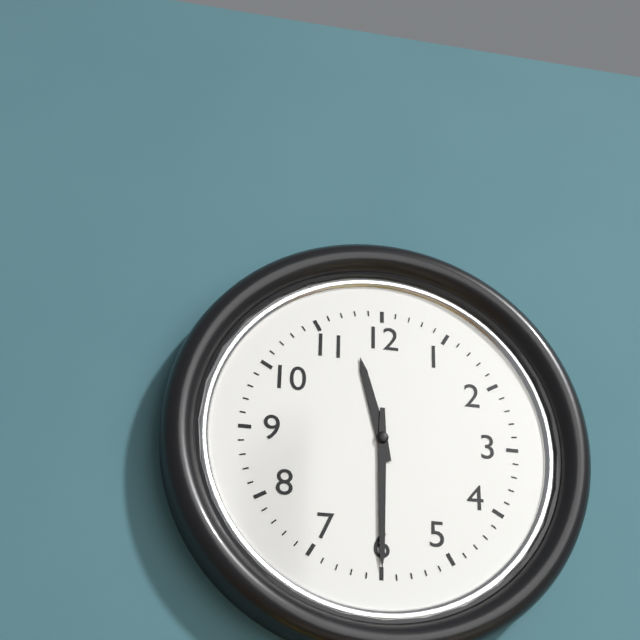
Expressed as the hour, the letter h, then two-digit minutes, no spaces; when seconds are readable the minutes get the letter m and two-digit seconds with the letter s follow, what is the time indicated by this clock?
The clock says 11h30
